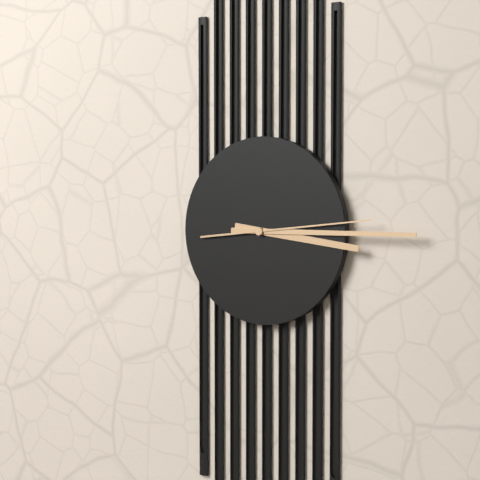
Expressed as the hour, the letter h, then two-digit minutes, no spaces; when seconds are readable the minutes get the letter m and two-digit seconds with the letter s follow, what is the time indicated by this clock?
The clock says 3h15m14s
